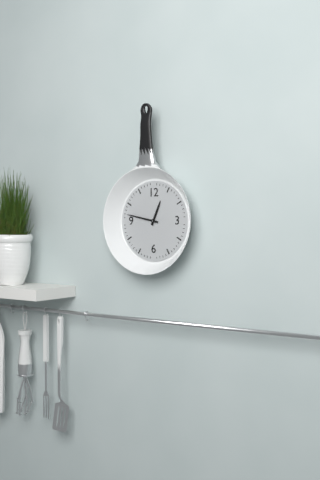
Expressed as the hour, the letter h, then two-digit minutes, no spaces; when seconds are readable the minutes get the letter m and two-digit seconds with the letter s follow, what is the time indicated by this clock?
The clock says 12h47
